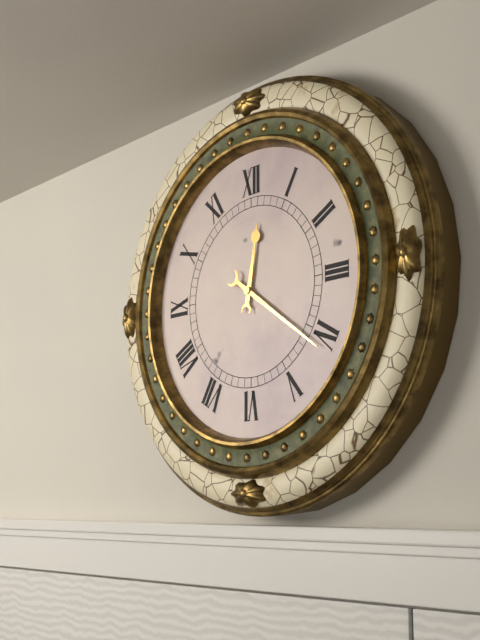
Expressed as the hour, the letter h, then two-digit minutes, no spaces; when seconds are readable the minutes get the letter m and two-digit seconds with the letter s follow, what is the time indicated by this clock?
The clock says 12h21
